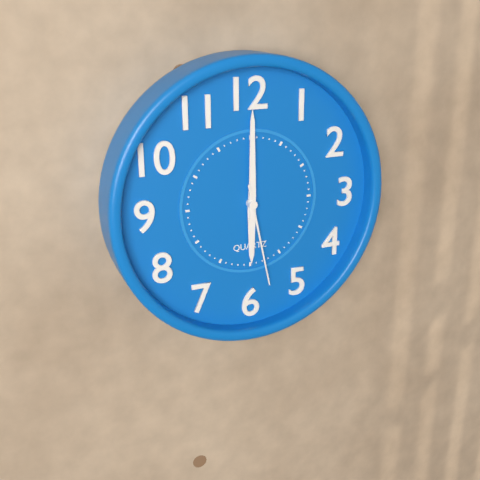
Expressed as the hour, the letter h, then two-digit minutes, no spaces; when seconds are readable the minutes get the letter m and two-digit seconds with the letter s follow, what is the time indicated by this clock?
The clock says 6h00m28s
